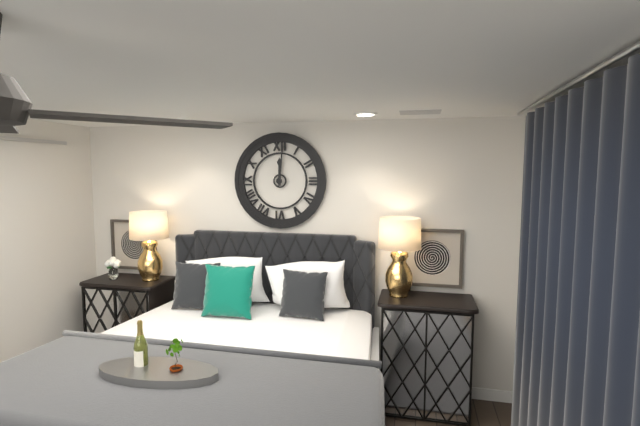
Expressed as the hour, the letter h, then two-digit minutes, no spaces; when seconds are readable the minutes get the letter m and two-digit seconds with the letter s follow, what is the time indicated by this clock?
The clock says 12h01
